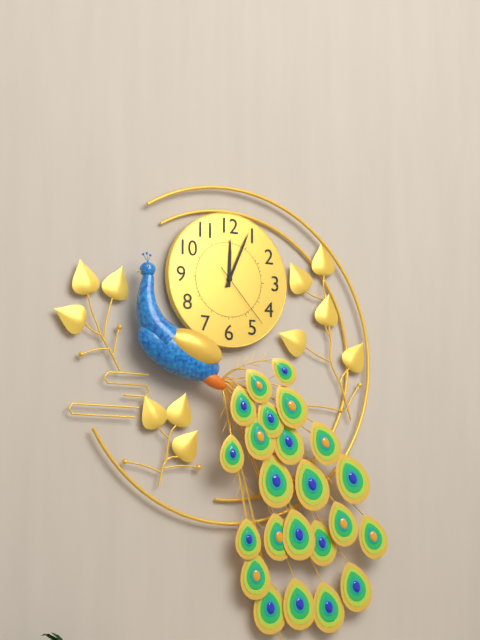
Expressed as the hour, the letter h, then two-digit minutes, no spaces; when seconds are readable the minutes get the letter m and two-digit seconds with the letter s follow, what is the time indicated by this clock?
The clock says 12h04m23s
